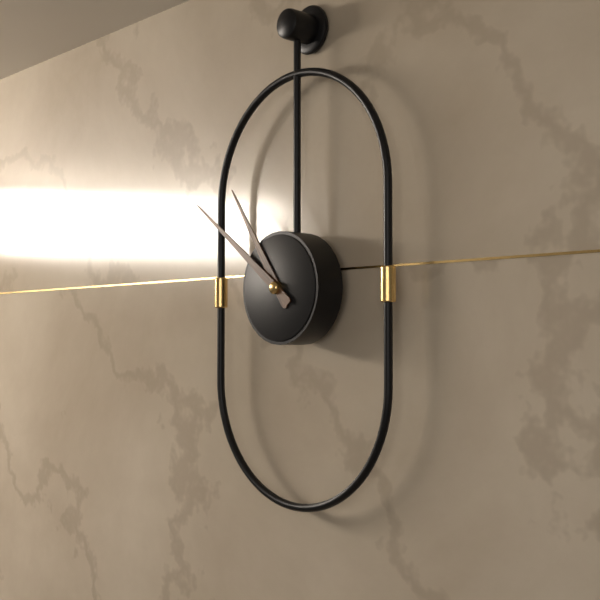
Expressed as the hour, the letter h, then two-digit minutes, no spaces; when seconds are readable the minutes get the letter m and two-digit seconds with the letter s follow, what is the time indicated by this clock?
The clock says 10h51
